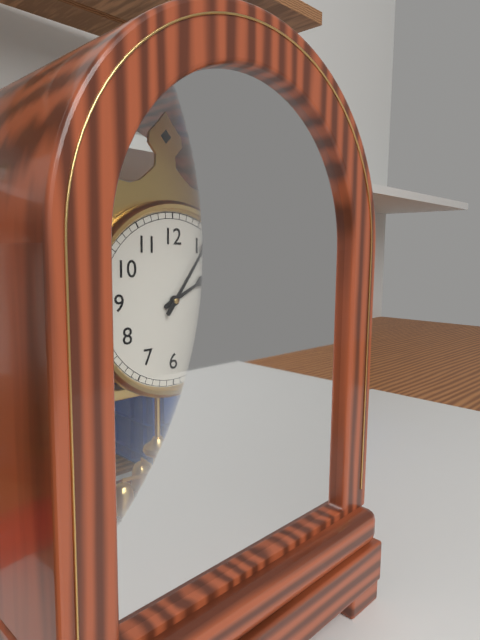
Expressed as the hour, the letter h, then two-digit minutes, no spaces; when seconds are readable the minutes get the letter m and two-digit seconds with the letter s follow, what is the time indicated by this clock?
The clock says 2h06
